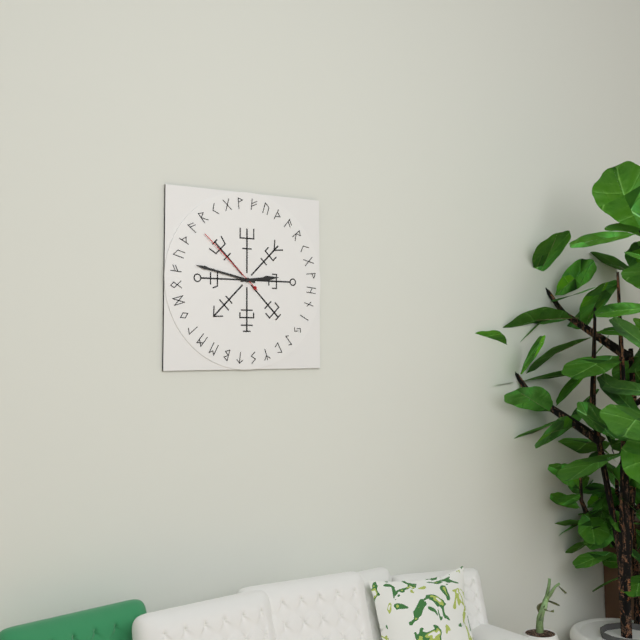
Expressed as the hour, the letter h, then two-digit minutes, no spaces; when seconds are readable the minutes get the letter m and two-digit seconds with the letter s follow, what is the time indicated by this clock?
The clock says 2h47m52s
